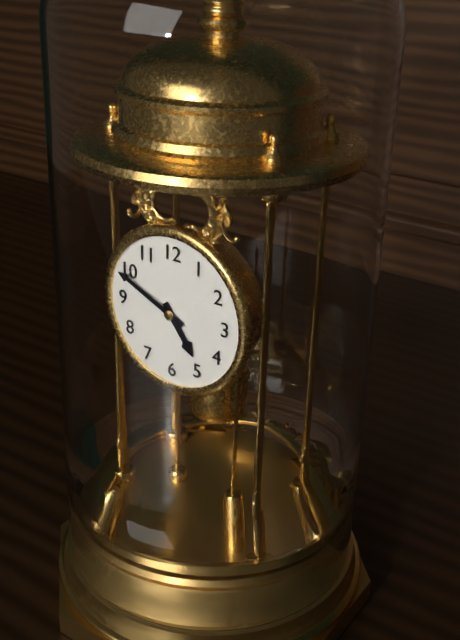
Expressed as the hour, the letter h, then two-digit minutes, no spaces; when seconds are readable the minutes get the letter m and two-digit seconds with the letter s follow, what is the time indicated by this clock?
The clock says 4h49
